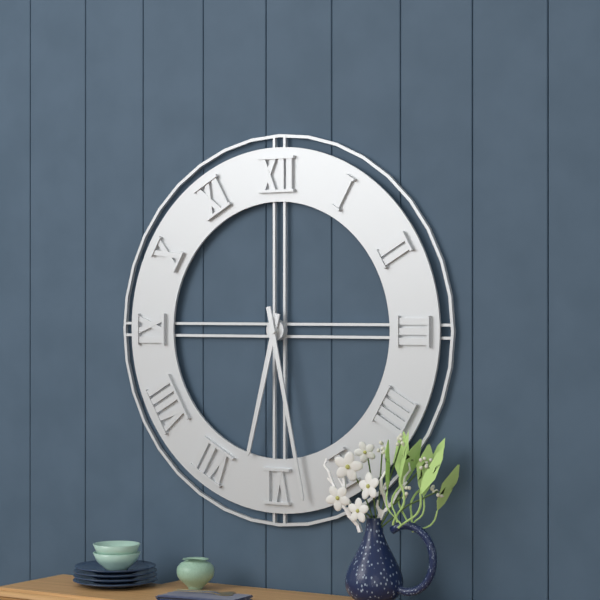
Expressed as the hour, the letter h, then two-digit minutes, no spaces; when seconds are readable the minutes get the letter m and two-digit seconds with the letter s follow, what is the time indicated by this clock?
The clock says 6h28
